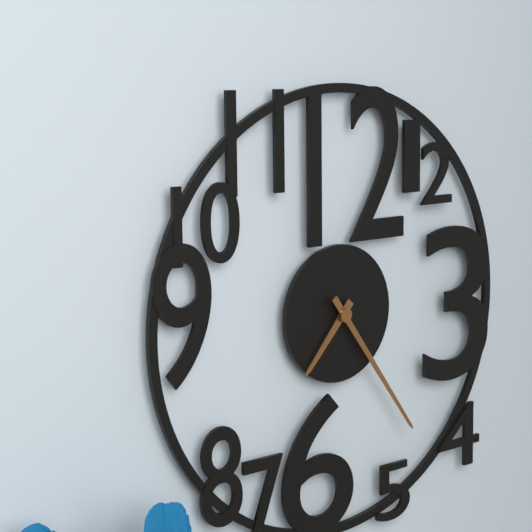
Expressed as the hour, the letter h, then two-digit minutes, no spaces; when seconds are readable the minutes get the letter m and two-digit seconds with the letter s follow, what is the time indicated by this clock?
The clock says 7h24
